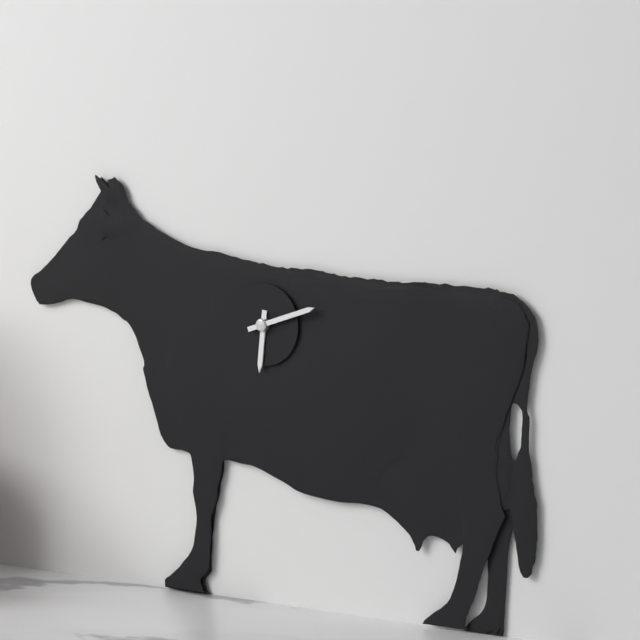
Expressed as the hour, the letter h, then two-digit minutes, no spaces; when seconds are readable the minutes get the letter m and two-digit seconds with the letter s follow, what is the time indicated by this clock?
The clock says 6h12
